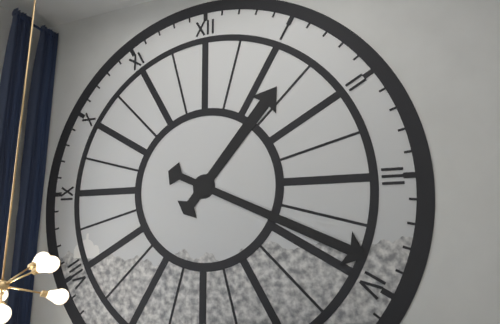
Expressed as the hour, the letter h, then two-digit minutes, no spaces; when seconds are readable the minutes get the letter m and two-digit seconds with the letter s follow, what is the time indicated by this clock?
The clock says 1h19
